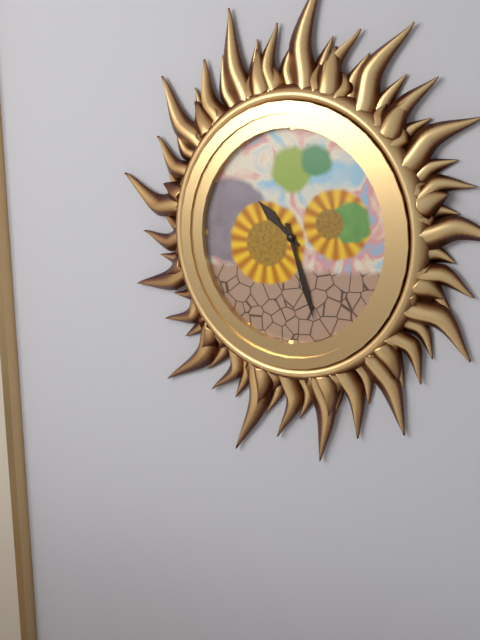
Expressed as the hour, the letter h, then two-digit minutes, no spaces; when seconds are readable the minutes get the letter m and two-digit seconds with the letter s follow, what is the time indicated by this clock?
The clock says 10h27
